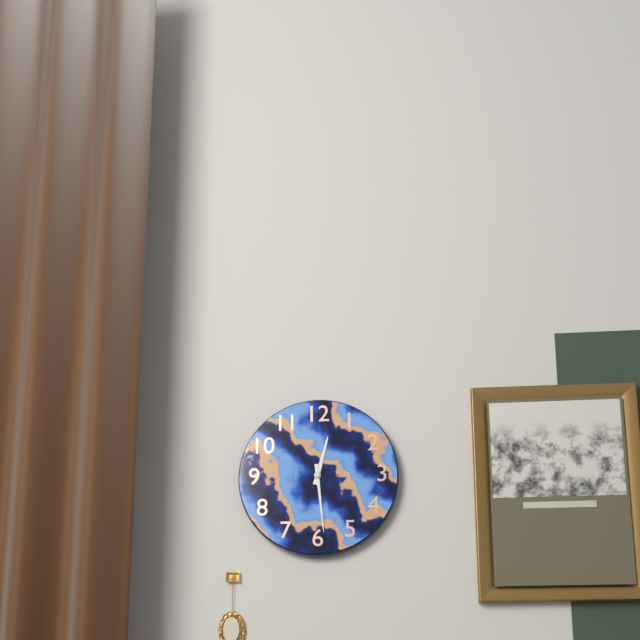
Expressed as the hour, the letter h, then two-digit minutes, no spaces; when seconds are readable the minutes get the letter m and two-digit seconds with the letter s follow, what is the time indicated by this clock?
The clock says 12h29
